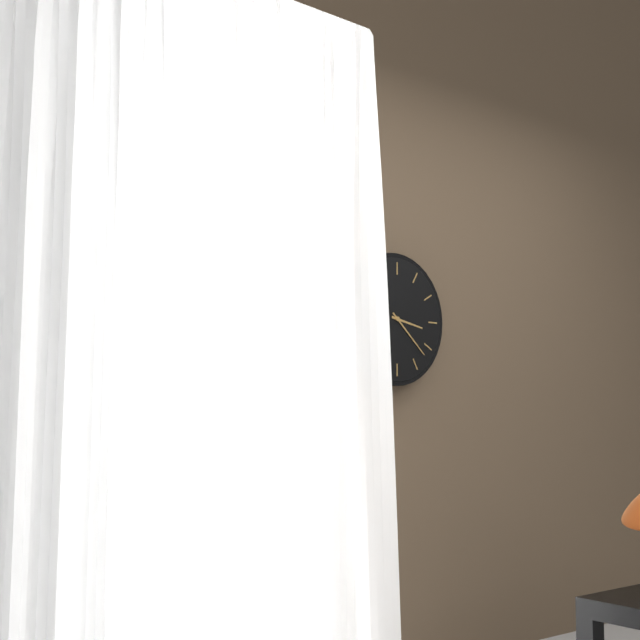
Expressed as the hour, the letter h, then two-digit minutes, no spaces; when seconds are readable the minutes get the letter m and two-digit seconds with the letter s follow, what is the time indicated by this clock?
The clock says 3h22
